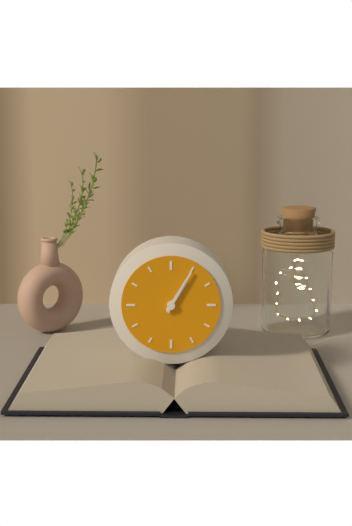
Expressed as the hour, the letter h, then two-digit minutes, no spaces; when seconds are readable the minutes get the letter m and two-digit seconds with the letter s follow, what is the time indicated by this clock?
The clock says 1h05
